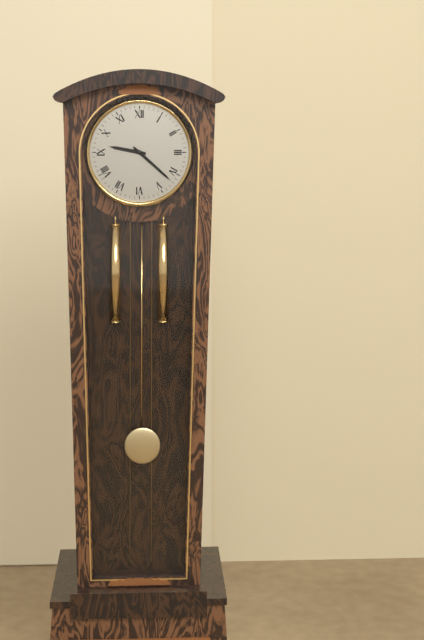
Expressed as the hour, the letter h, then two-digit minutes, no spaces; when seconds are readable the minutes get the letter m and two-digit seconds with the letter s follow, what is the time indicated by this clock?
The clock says 9h22
